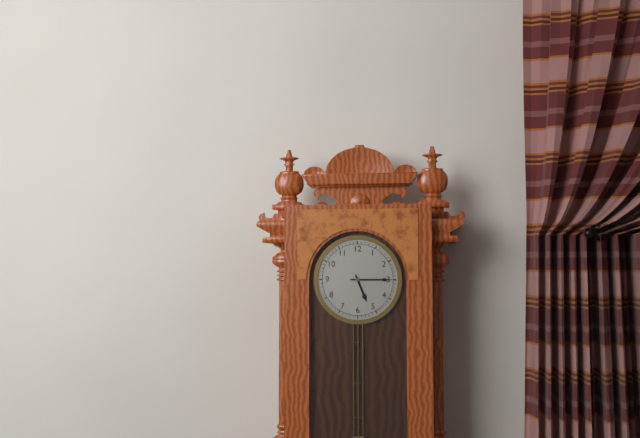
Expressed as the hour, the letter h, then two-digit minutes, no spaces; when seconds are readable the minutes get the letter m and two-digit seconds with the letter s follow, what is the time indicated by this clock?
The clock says 5h15
